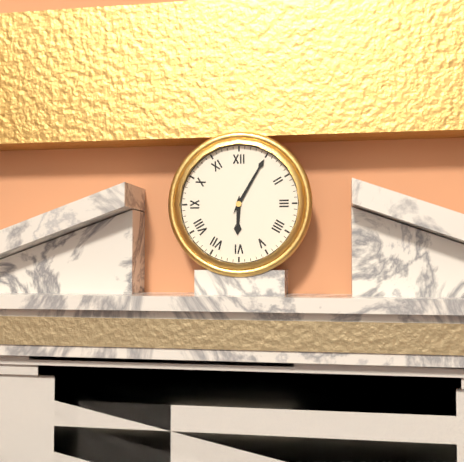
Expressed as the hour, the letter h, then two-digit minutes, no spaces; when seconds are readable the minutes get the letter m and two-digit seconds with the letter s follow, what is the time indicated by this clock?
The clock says 6h05
